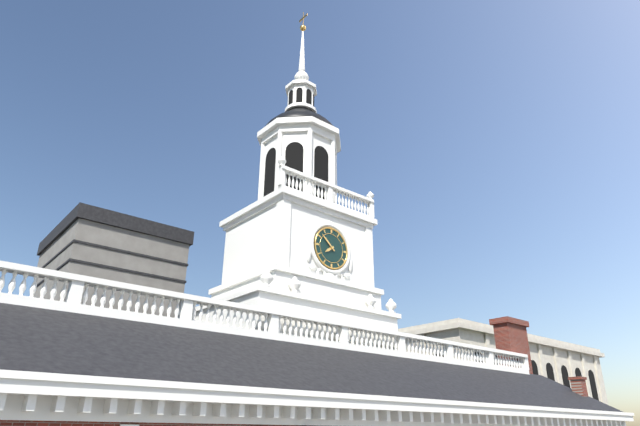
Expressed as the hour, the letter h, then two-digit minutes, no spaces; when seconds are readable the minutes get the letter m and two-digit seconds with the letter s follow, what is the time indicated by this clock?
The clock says 7h52
